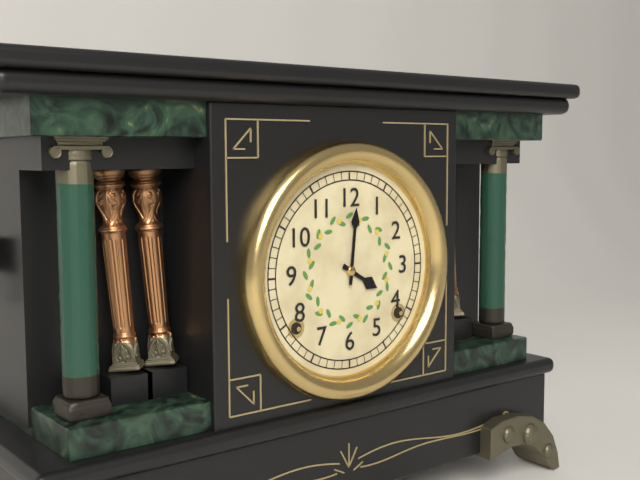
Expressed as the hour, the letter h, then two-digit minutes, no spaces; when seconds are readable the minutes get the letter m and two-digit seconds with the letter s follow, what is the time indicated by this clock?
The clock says 4h01
